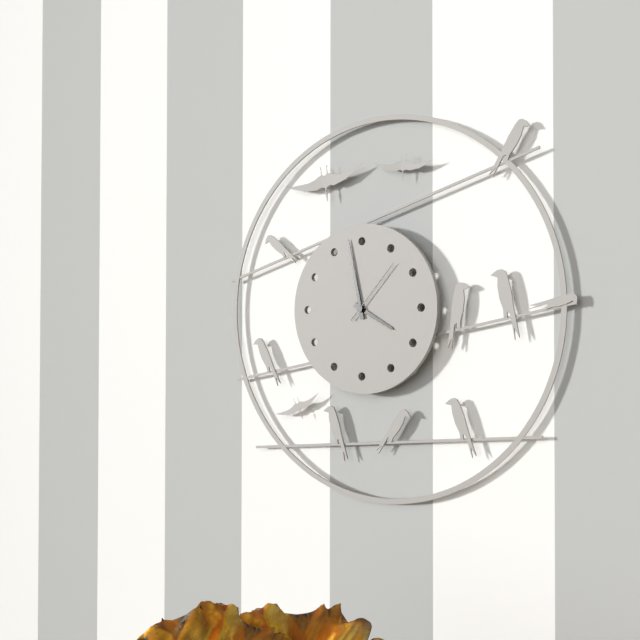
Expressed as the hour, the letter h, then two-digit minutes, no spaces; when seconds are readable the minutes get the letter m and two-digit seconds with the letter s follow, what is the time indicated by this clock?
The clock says 3h58m07s
